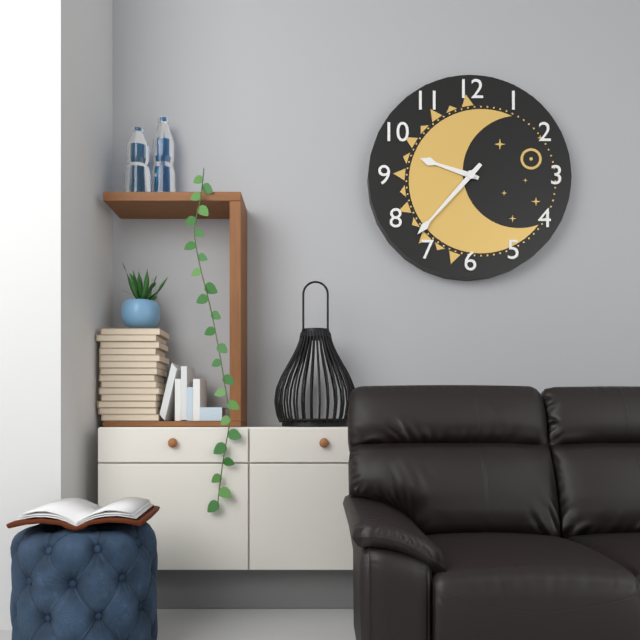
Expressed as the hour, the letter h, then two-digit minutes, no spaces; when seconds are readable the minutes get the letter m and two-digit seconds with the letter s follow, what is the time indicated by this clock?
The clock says 9h37
